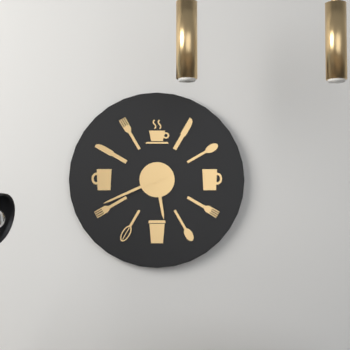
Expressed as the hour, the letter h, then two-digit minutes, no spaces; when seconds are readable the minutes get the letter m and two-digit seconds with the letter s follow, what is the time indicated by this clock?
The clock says 5h41
